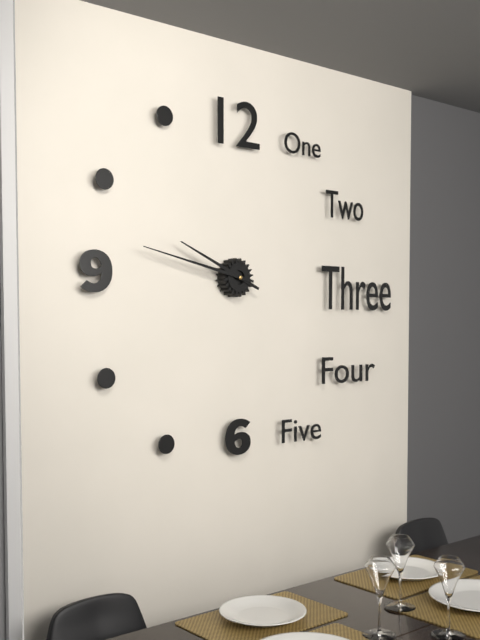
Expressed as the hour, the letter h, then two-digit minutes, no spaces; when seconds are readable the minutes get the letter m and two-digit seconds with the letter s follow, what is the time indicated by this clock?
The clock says 9h47
